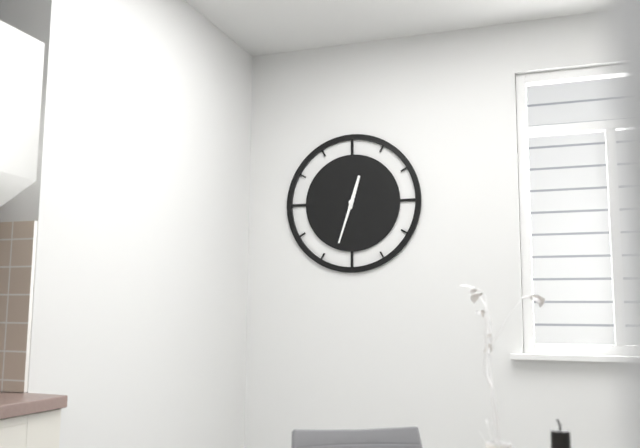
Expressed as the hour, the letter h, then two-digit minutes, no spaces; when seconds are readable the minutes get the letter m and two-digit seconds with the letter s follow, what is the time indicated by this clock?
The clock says 12h33
